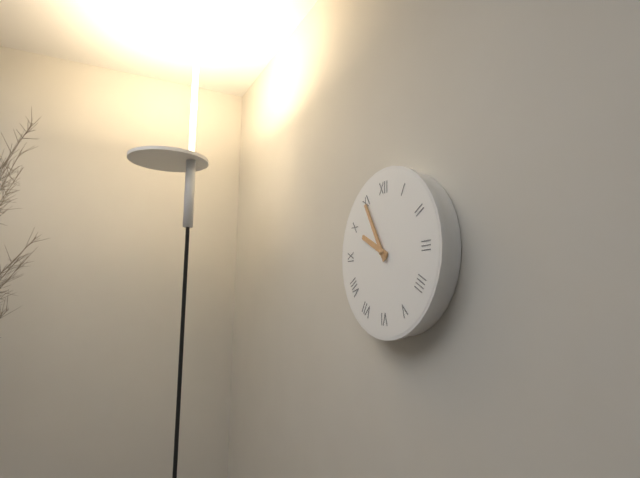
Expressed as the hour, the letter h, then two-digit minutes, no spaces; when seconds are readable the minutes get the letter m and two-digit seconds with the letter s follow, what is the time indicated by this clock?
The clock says 9h55
